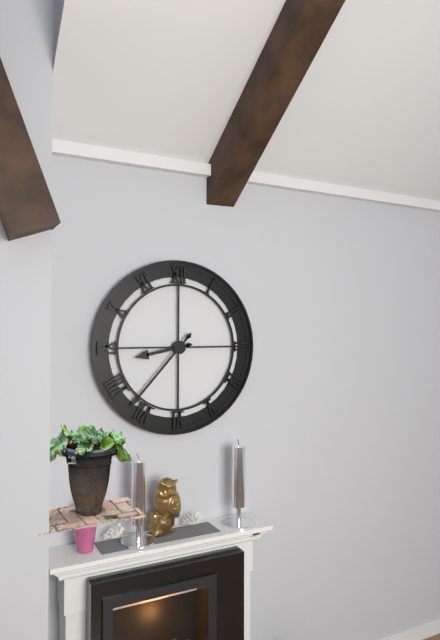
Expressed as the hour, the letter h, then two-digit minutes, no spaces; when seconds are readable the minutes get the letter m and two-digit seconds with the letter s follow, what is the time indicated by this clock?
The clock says 8h37
